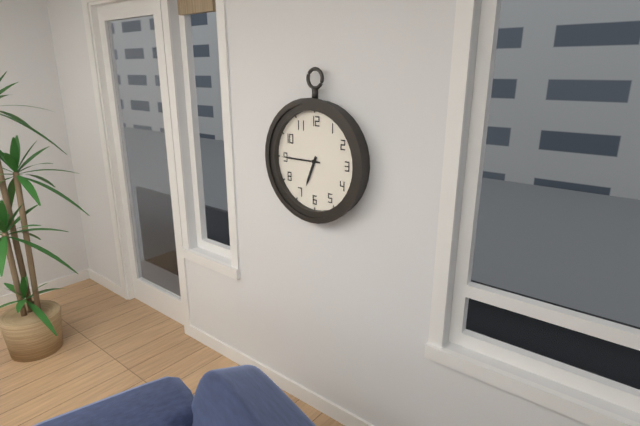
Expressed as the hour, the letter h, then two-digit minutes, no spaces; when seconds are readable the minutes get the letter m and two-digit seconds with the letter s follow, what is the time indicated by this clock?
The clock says 6h45
